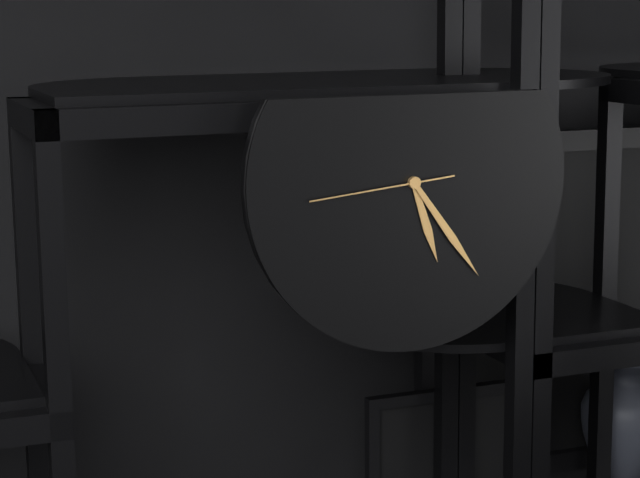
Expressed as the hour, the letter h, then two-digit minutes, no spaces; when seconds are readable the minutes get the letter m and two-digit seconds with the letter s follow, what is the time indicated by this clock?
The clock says 5h24m44s
